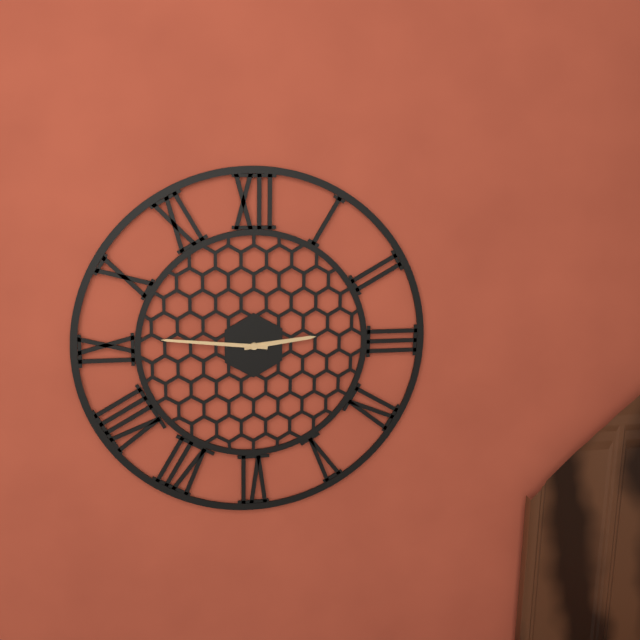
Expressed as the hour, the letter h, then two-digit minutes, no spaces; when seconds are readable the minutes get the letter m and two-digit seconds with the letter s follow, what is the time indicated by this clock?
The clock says 2h46
